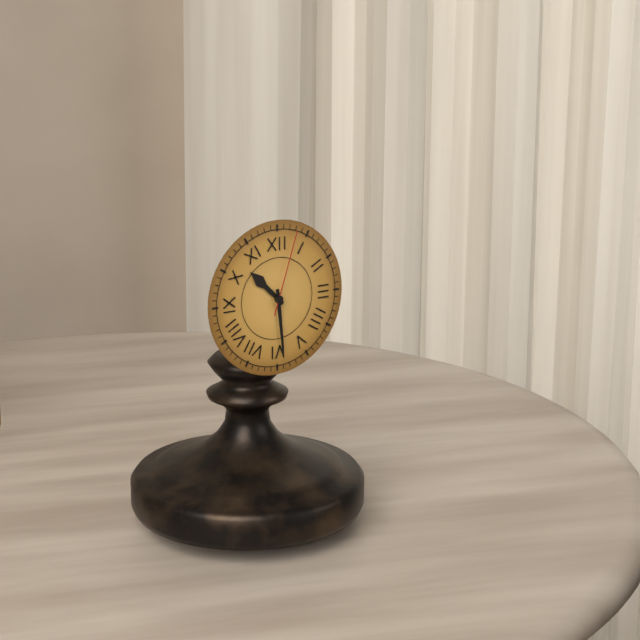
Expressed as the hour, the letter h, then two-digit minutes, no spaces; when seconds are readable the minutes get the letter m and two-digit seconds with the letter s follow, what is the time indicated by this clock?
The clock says 10h29m03s
